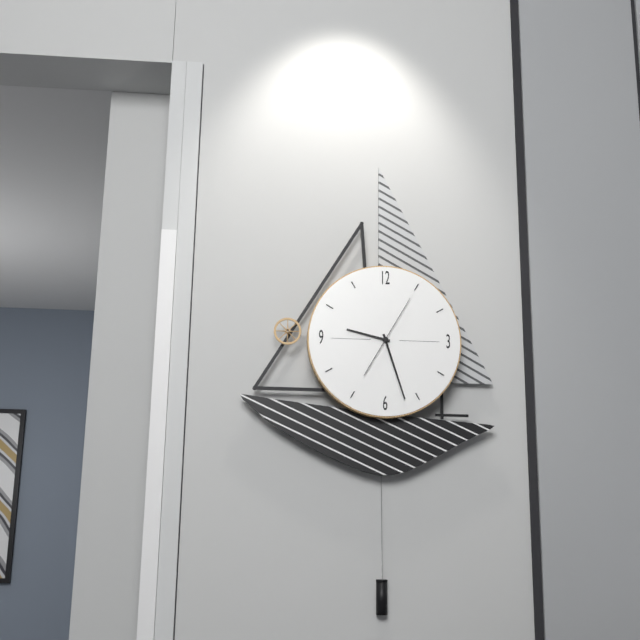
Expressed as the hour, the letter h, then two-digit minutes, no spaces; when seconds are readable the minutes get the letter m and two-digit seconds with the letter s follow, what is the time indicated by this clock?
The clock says 9h27m05s
